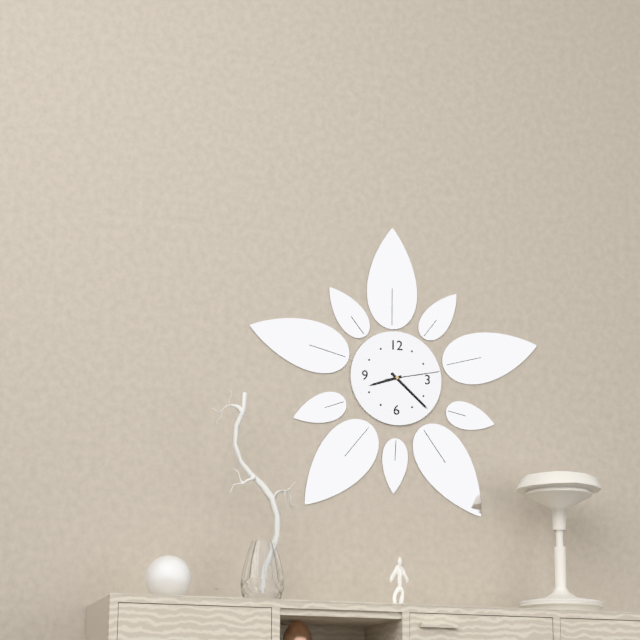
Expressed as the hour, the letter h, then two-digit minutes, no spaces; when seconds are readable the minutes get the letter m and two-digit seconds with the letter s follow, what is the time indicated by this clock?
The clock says 8h22m13s
